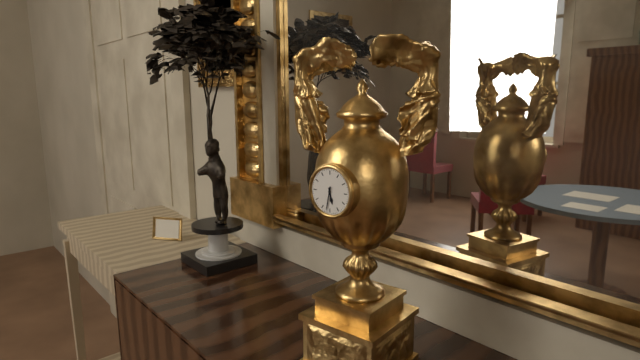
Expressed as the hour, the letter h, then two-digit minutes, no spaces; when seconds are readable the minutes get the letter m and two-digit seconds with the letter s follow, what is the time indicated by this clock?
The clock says 5h32
